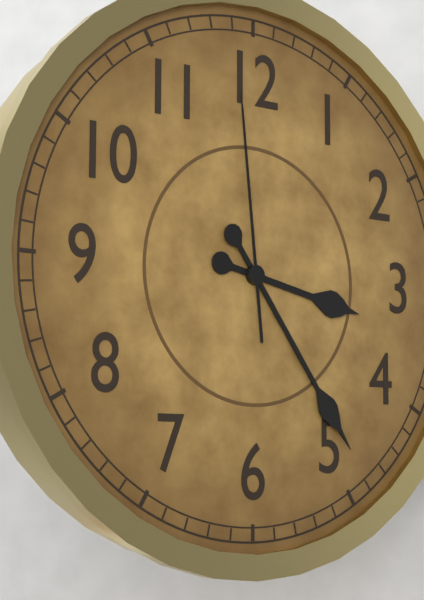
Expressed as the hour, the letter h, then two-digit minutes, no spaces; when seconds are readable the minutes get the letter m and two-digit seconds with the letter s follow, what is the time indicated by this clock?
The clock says 3h24m59s
